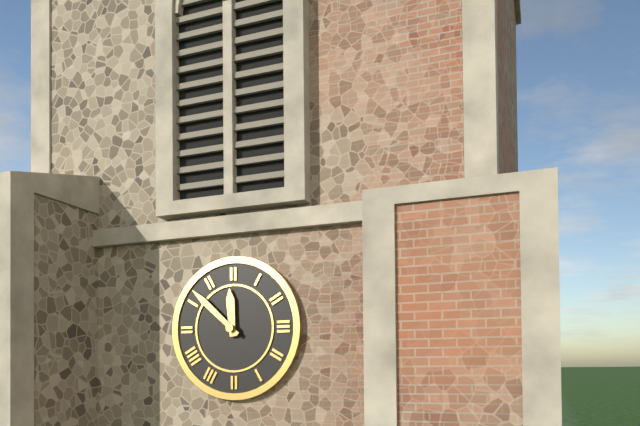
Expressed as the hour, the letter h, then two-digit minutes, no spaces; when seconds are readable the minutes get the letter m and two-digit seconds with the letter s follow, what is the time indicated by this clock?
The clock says 11h52
